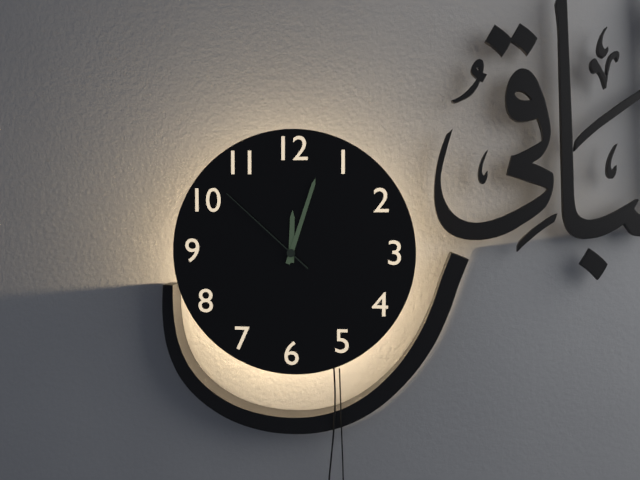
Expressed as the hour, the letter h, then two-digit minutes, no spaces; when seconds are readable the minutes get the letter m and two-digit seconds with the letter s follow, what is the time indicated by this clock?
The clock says 12h03m52s
